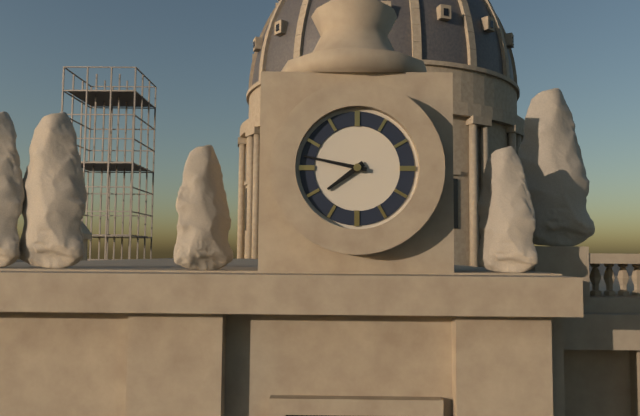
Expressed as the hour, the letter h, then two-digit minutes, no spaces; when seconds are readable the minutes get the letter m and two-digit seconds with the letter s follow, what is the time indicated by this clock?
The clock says 7h47
